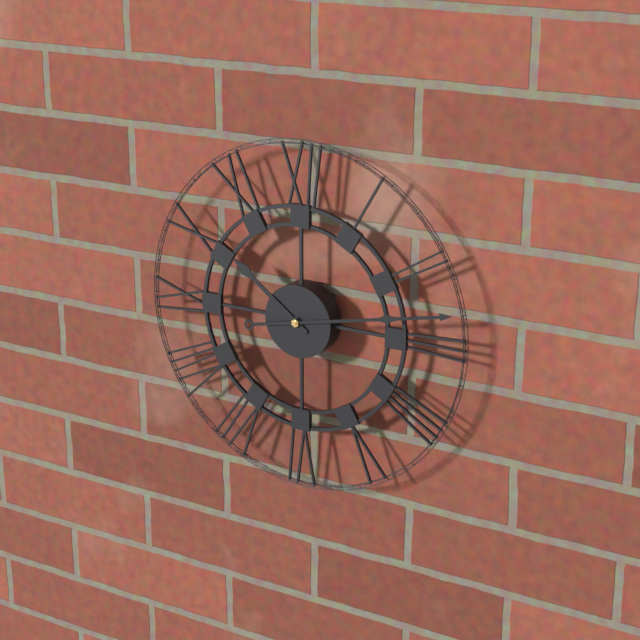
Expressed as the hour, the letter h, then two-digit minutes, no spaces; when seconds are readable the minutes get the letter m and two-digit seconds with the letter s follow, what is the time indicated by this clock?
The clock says 10h13
